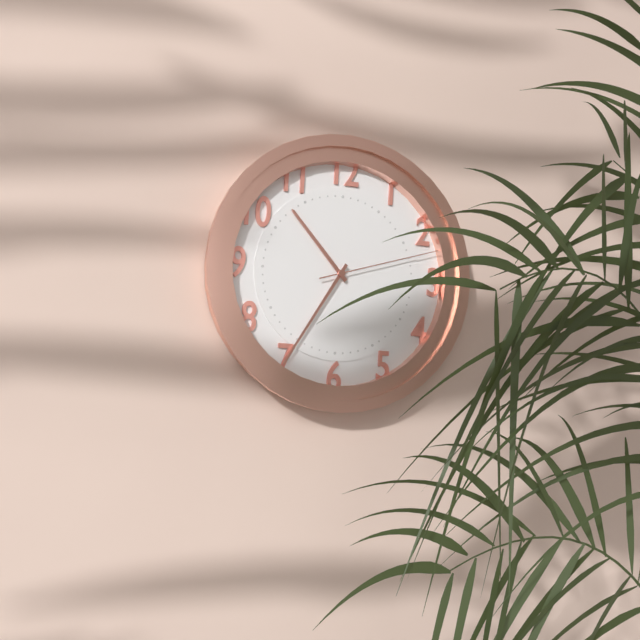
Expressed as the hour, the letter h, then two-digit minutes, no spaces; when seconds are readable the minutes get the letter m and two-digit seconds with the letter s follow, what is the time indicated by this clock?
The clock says 10h35m12s
